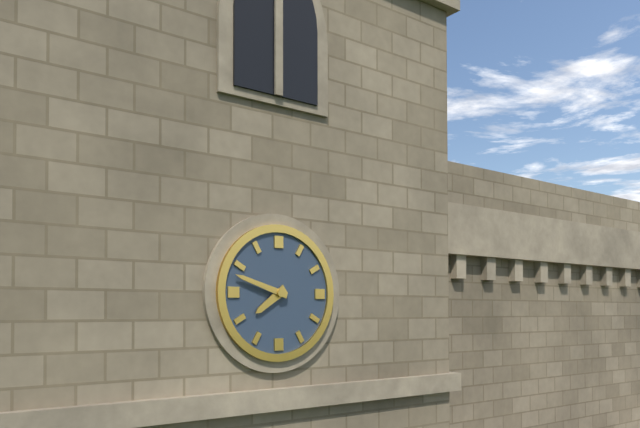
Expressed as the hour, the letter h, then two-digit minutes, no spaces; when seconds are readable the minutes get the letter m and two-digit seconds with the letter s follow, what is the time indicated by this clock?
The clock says 7h48
